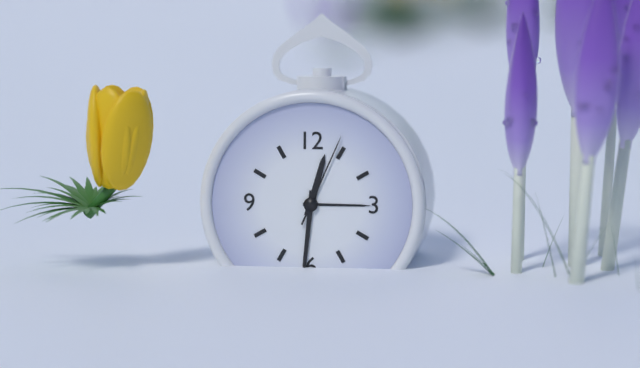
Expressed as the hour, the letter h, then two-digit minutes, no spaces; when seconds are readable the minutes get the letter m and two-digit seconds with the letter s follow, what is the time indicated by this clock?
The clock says 12h31m04s
